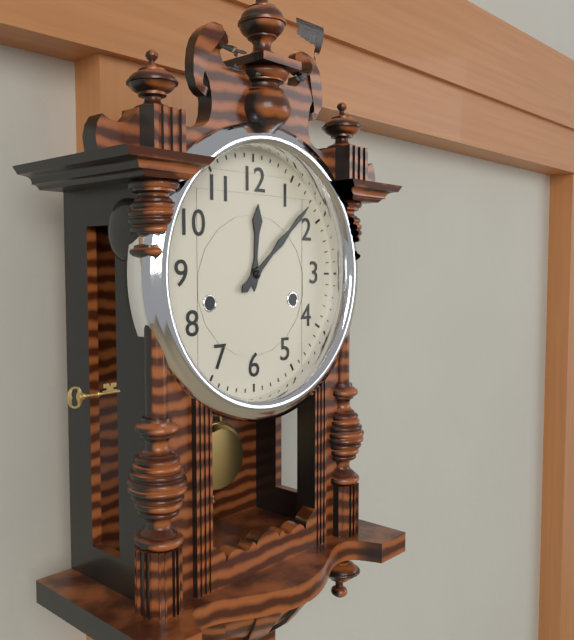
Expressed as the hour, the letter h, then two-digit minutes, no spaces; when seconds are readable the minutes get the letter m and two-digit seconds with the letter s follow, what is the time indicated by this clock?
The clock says 12h08
